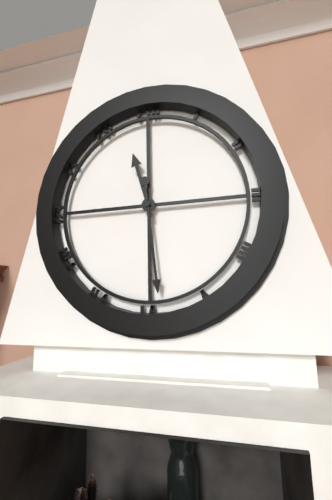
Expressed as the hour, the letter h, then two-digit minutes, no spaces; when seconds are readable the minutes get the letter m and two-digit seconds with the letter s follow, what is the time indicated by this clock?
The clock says 11h29
